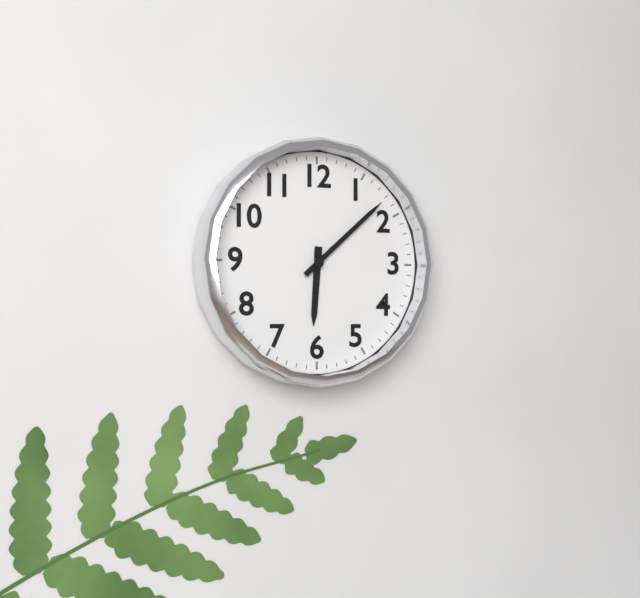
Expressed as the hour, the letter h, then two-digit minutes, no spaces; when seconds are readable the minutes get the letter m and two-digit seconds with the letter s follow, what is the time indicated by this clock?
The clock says 6h08
